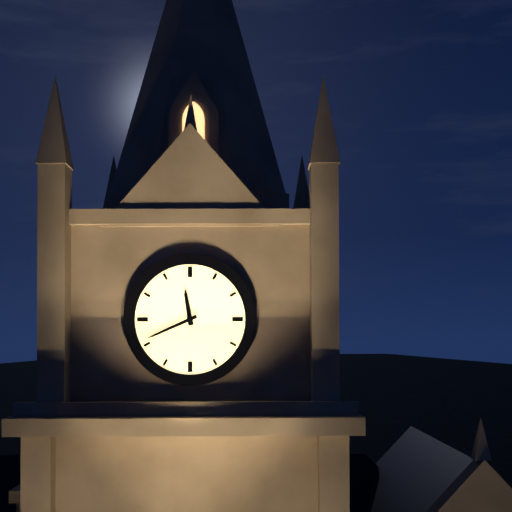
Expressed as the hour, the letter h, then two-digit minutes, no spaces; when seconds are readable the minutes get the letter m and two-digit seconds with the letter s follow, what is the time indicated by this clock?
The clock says 11h41
